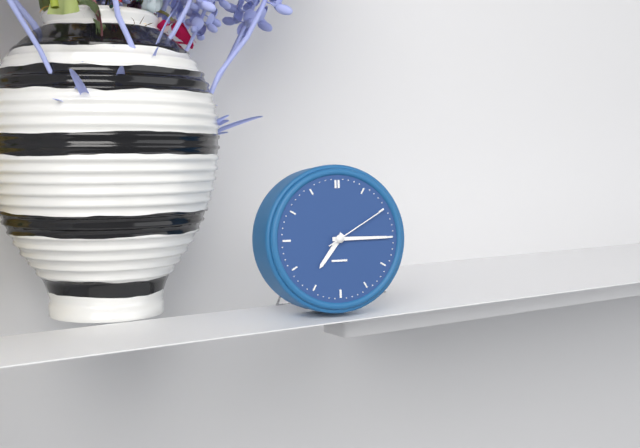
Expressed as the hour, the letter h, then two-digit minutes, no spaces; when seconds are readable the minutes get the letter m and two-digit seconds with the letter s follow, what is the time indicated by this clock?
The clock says 7h15m10s
